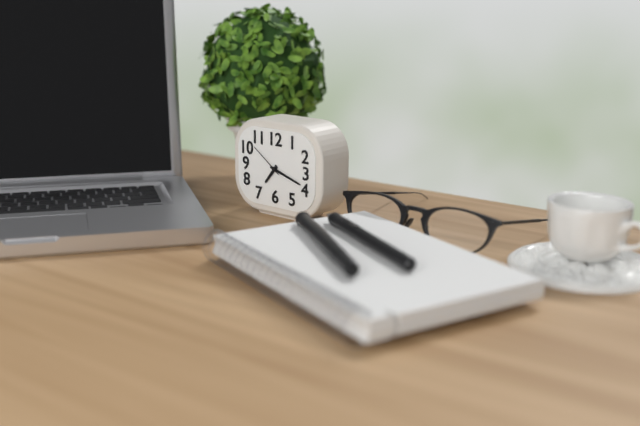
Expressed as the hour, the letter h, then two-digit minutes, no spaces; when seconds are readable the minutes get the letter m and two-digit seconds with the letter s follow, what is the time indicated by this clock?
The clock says 7h18
